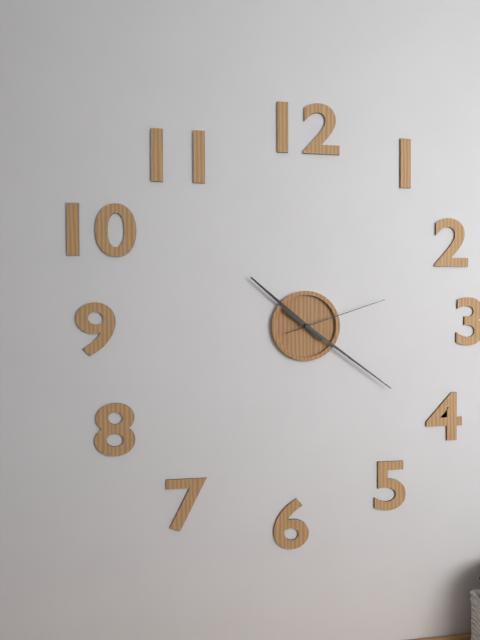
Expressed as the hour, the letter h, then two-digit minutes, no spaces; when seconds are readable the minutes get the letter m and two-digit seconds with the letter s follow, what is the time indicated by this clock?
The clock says 10h21m12s
